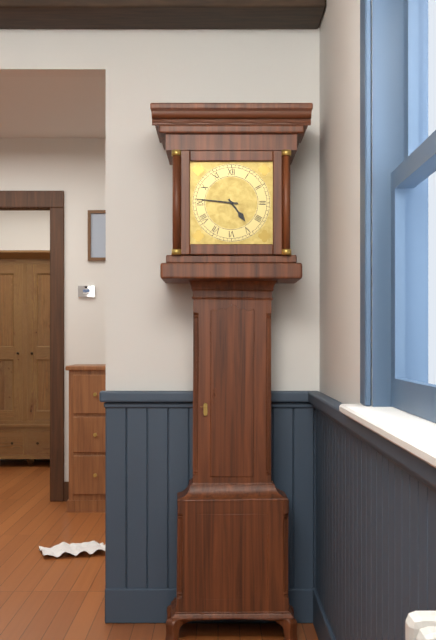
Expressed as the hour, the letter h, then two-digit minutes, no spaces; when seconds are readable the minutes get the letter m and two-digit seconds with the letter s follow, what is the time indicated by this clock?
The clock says 4h46
